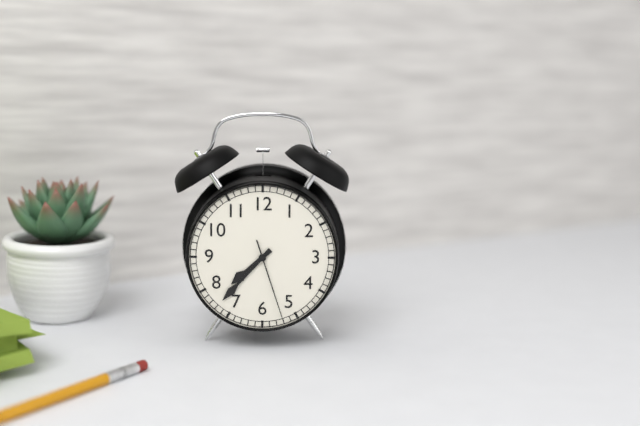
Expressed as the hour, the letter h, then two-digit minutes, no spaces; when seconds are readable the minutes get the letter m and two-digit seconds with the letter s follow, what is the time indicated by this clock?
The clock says 7h37m27s
